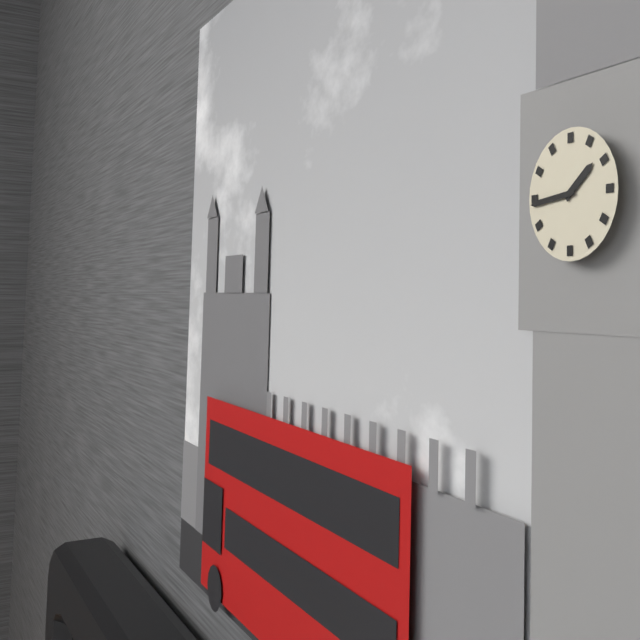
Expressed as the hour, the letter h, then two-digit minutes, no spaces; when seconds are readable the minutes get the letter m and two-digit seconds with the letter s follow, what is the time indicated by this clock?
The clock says 1h44
